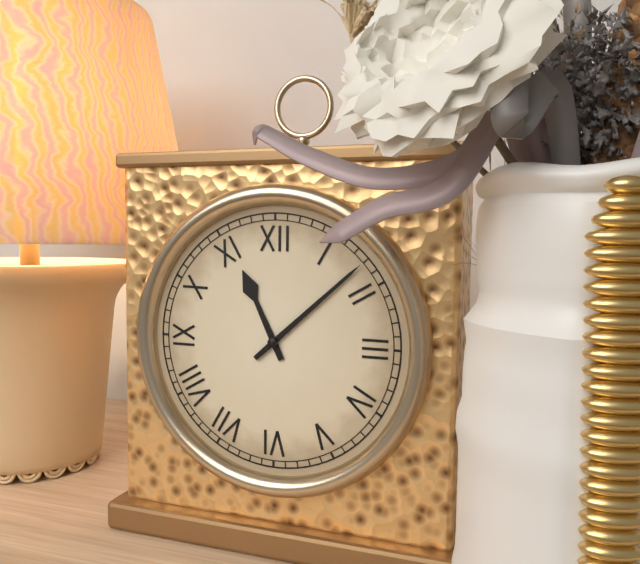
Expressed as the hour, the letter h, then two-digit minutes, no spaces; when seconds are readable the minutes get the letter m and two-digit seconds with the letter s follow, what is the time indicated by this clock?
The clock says 11h08
